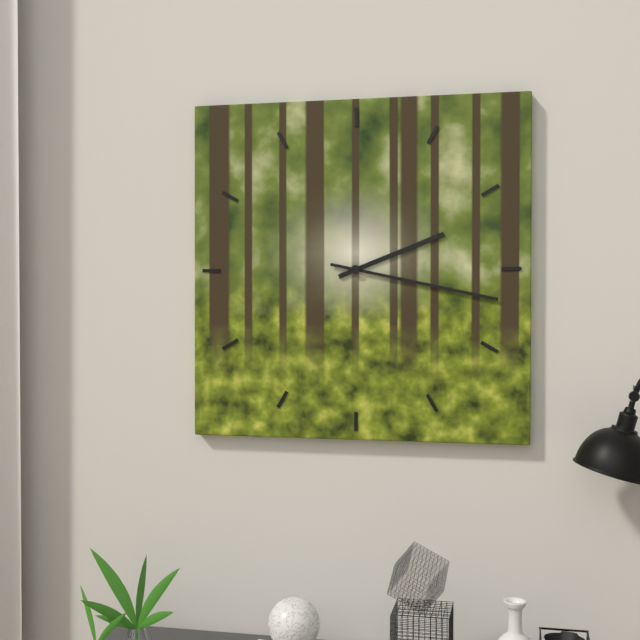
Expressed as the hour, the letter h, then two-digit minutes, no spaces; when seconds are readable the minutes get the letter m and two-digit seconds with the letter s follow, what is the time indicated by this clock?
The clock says 2h17
